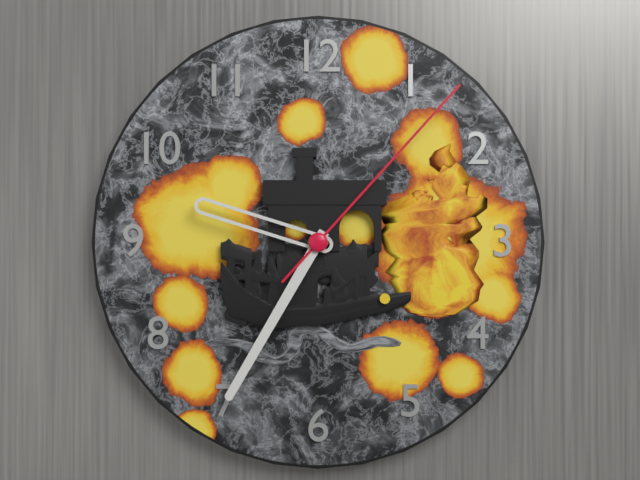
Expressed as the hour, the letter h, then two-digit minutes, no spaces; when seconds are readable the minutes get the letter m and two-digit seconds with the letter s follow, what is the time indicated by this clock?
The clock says 9h35m07s
